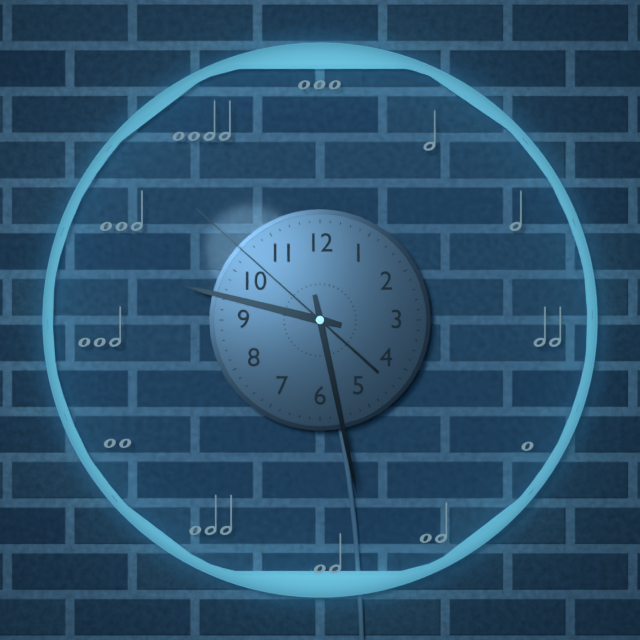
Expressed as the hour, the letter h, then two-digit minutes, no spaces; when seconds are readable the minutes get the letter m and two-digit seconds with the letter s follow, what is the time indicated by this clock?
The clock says 9h28m52s
